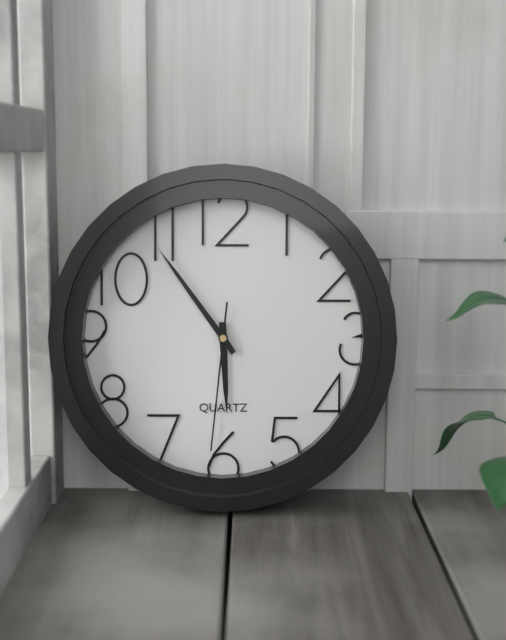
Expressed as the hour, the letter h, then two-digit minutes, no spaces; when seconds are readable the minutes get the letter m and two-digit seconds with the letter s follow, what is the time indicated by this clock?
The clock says 5h54m31s
